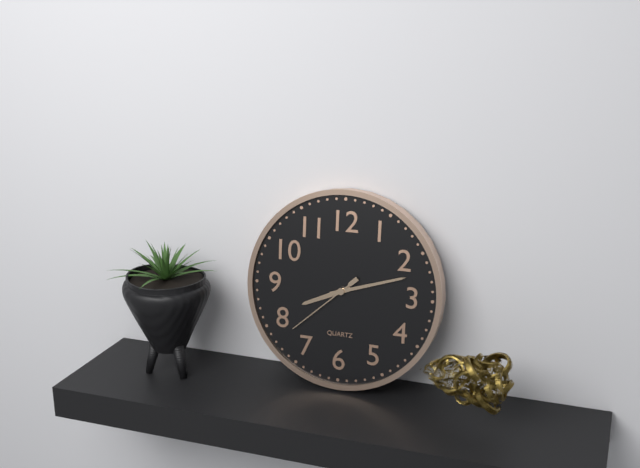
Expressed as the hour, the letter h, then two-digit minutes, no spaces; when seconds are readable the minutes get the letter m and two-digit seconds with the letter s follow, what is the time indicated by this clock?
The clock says 8h12m38s
